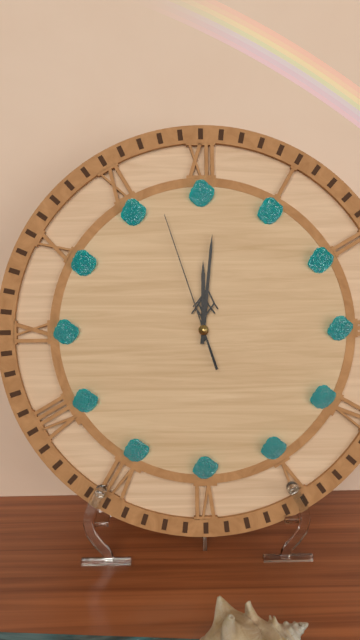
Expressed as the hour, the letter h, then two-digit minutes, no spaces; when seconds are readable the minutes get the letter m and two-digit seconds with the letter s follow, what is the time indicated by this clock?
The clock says 12h01m57s
